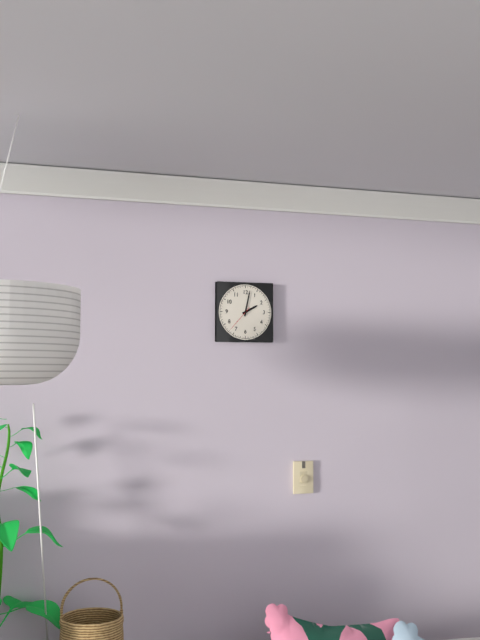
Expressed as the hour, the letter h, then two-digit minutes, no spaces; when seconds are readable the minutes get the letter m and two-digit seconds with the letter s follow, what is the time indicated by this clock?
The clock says 2h02
